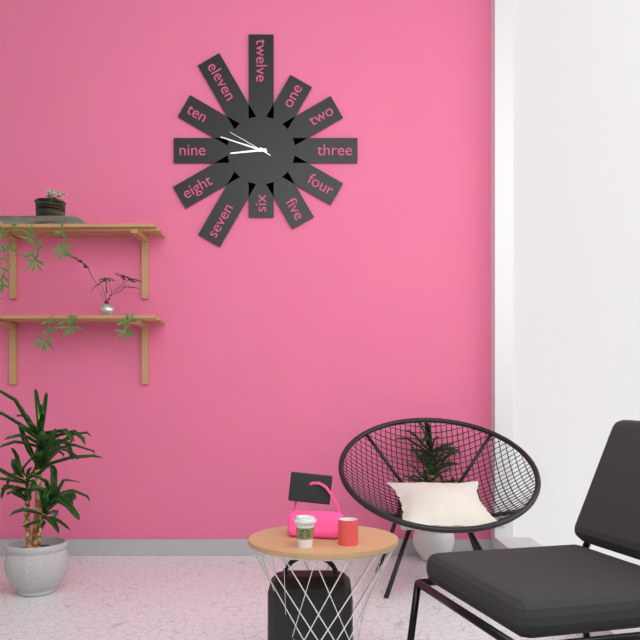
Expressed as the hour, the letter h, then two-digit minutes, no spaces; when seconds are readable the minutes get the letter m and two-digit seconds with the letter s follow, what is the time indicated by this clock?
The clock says 8h48
